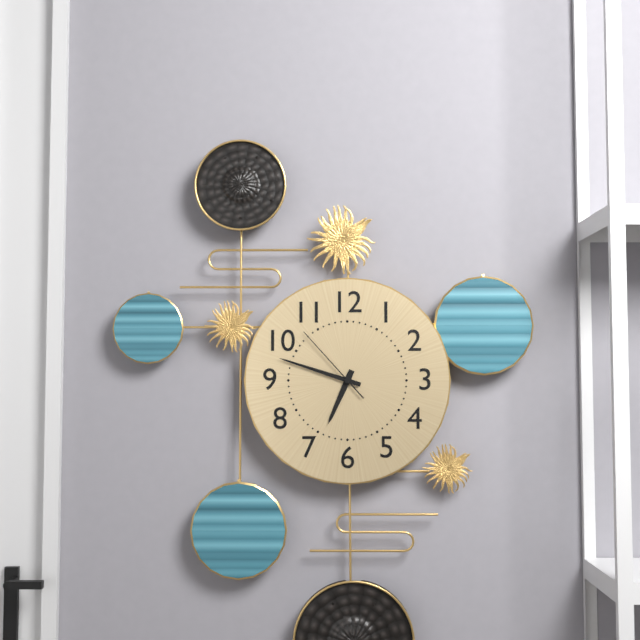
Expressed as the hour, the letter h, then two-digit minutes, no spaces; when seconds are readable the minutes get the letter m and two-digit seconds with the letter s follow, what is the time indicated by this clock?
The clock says 6h48m53s
